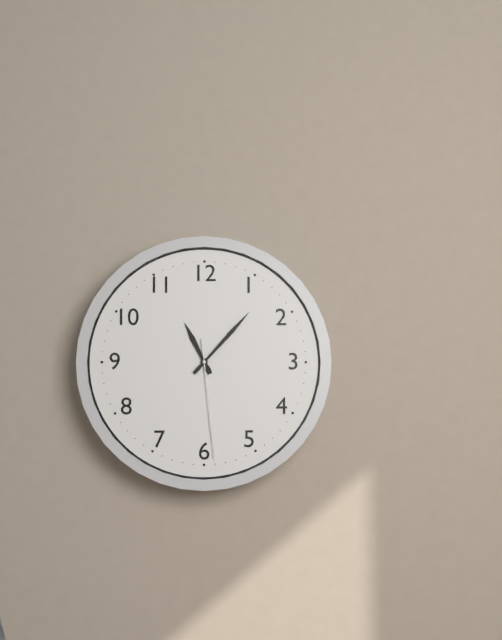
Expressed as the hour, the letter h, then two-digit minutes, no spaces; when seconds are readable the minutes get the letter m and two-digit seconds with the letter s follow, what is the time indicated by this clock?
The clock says 11h07m29s
